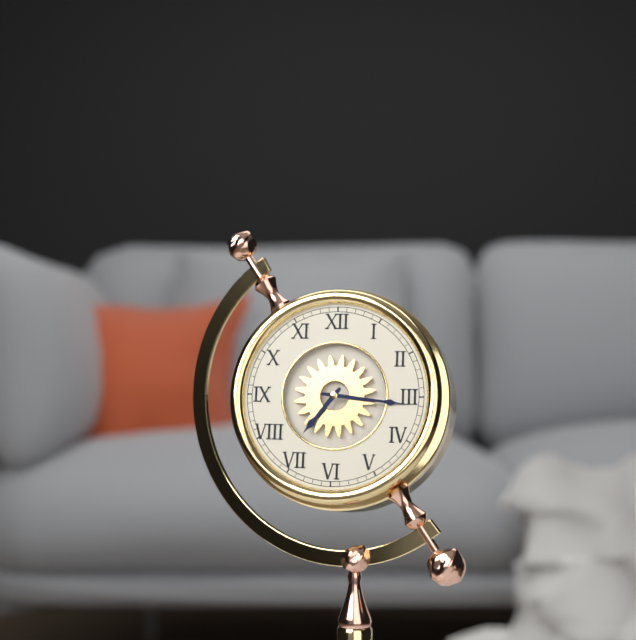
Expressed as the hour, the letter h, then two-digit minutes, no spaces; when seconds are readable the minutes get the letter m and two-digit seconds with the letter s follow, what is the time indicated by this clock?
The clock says 7h16
